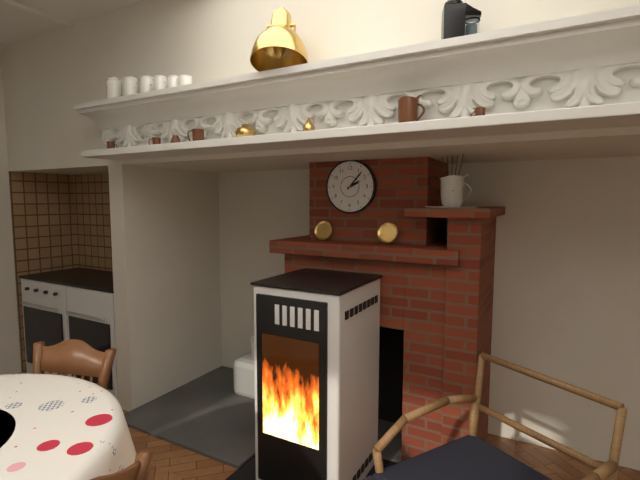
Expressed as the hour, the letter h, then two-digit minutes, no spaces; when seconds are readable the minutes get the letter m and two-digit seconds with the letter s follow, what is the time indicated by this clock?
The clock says 2h07
